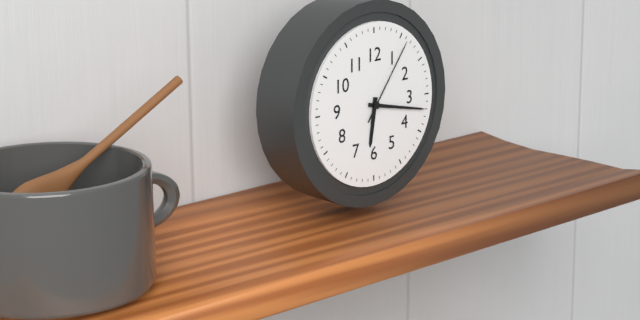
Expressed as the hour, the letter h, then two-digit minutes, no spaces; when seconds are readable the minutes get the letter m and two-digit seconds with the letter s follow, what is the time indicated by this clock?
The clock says 6h17m06s
